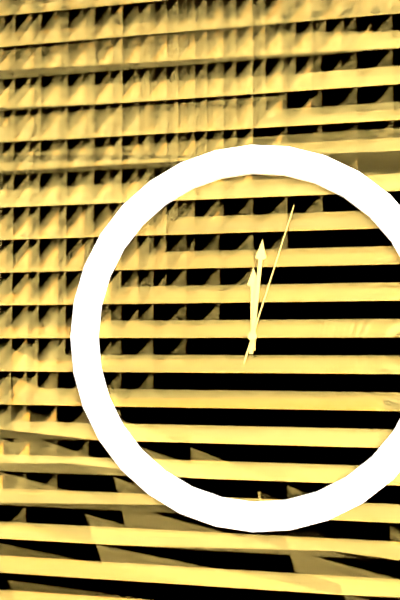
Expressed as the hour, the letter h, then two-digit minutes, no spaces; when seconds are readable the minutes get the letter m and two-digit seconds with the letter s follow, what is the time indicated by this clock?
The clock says 12h01m03s
